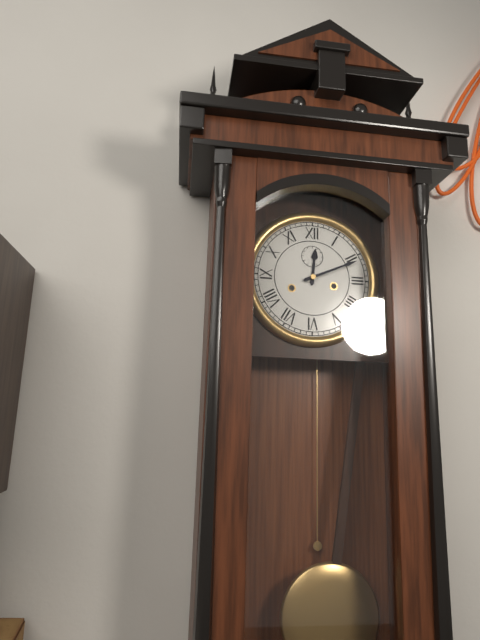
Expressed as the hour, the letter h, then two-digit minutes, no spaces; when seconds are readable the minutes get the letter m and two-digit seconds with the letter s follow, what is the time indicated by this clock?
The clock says 12h11
